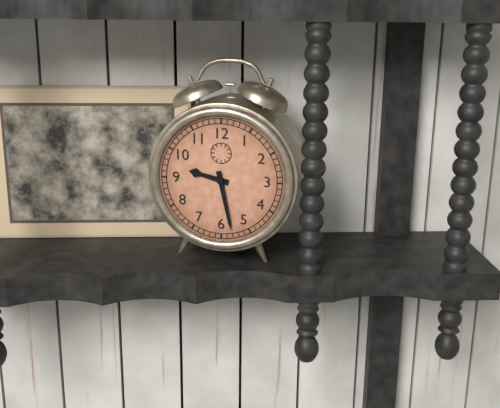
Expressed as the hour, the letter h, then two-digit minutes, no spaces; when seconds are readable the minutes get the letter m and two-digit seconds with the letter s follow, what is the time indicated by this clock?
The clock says 9h28
